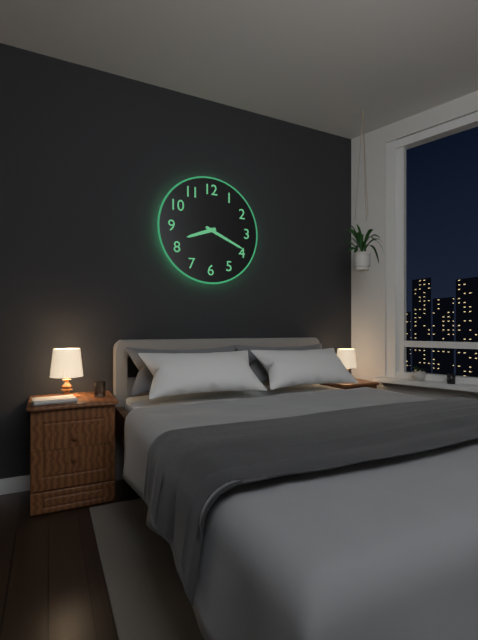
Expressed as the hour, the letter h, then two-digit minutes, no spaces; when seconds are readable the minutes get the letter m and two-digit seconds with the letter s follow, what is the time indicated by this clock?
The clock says 8h19
